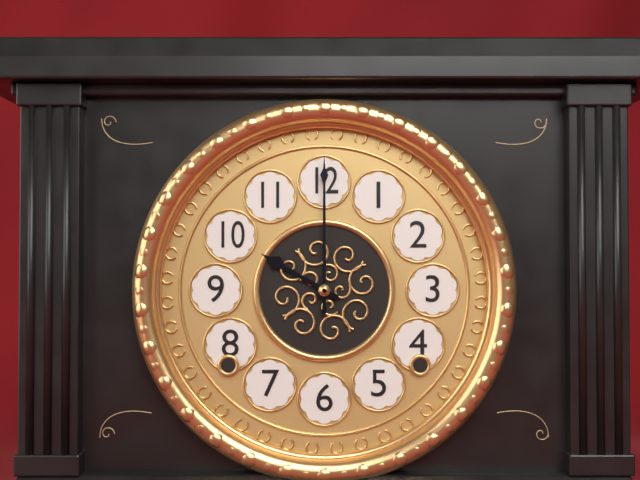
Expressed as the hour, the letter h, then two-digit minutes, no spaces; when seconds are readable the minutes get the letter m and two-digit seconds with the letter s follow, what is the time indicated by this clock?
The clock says 10h00
